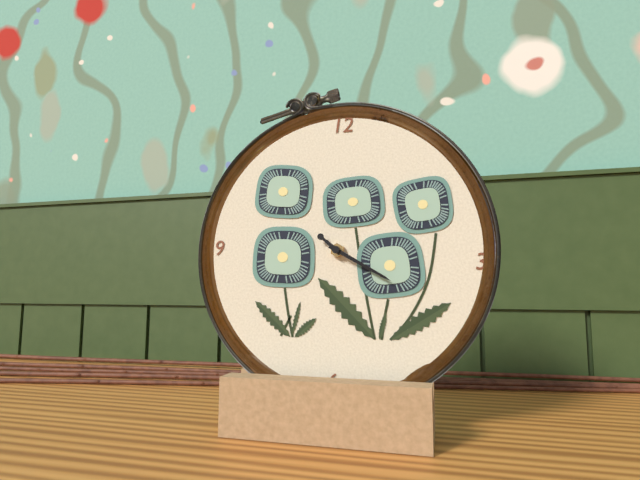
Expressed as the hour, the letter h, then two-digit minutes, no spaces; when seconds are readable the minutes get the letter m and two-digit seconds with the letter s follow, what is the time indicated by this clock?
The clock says 10h20
